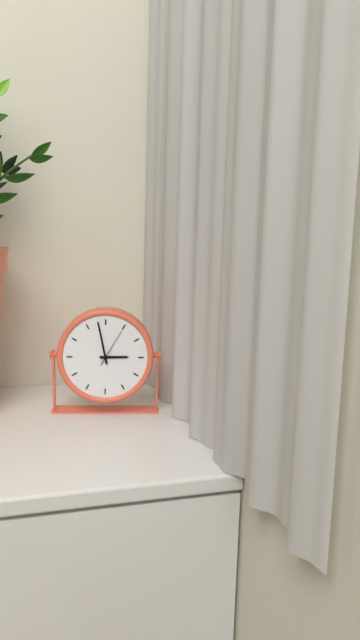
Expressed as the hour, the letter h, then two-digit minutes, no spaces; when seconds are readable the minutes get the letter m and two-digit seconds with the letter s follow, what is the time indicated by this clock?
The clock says 2h58
